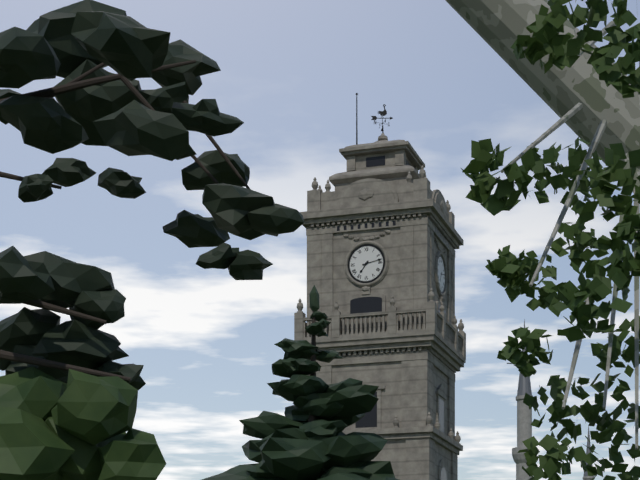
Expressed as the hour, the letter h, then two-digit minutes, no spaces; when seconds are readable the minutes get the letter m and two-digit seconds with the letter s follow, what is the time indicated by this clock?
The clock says 7h13
